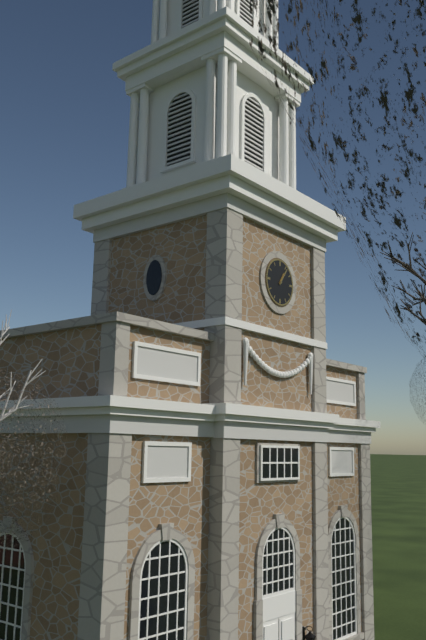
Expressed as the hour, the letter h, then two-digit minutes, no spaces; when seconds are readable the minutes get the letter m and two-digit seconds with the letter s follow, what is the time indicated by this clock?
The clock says 1h06
